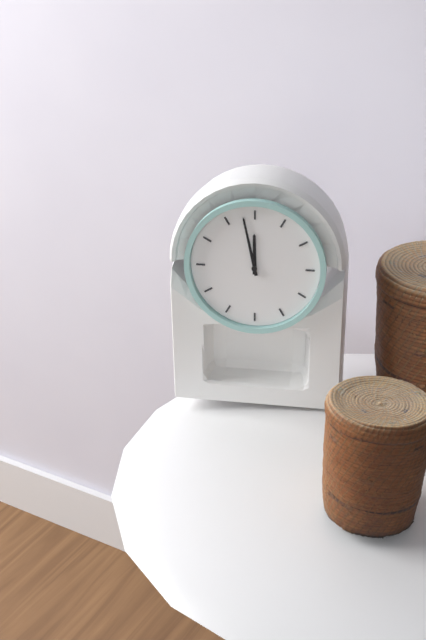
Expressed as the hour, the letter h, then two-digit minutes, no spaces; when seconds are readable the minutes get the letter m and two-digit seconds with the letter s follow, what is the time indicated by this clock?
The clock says 11h58
